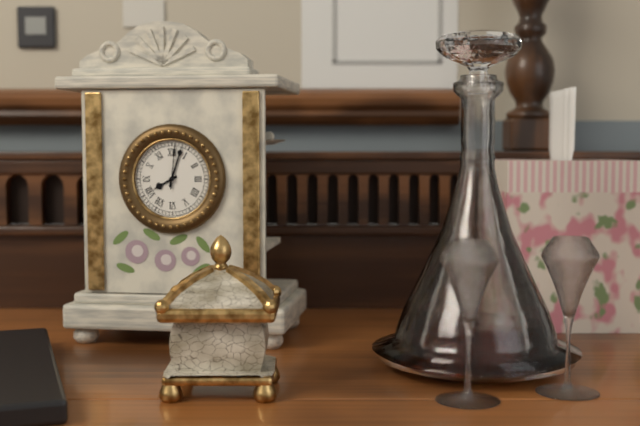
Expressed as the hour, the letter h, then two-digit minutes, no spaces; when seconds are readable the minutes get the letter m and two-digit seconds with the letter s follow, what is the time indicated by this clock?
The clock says 8h03
